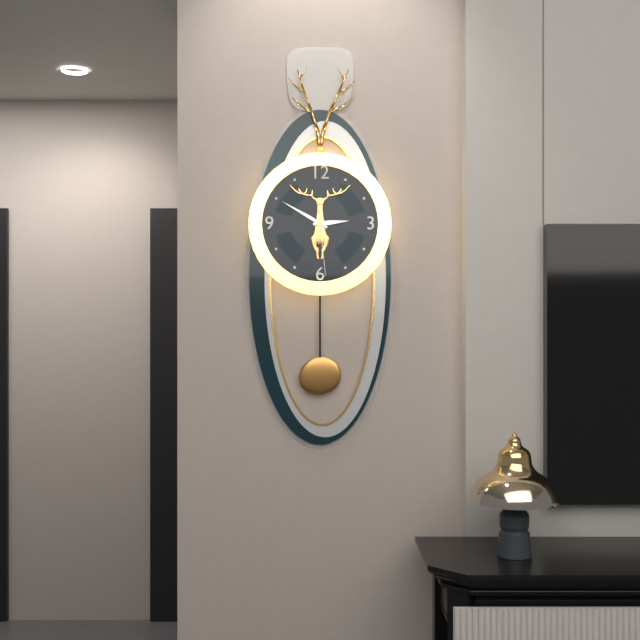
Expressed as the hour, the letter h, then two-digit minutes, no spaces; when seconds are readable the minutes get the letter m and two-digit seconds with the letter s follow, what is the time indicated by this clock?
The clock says 2h50m29s
